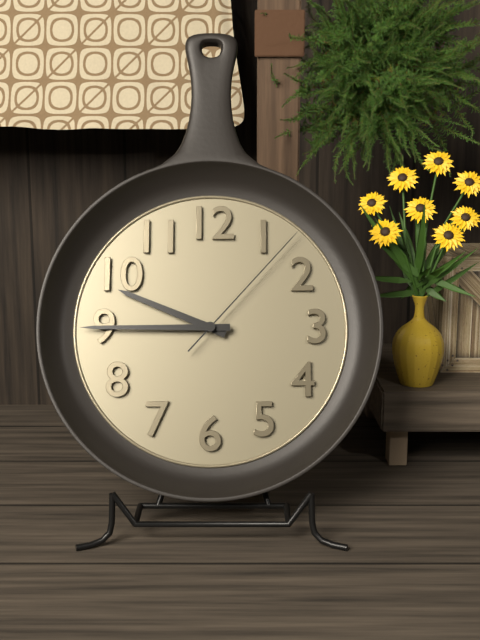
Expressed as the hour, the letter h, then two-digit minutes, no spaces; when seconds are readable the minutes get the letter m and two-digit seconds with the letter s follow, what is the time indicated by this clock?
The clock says 9h45m07s
